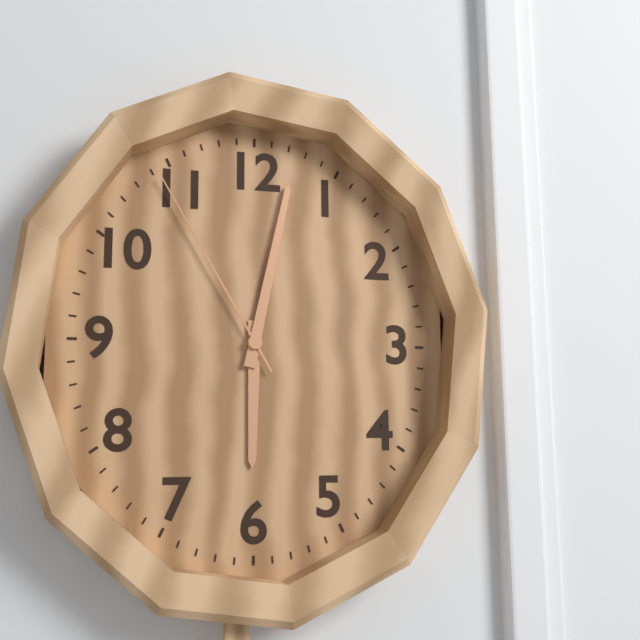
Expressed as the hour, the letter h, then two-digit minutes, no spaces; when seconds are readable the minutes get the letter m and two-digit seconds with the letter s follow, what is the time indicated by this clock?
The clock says 6h02m55s
